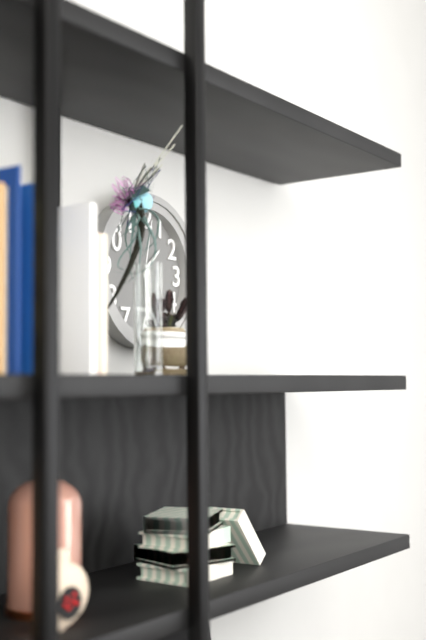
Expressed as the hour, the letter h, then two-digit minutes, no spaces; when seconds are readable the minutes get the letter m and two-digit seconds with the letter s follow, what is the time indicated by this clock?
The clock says 1h30m02s
